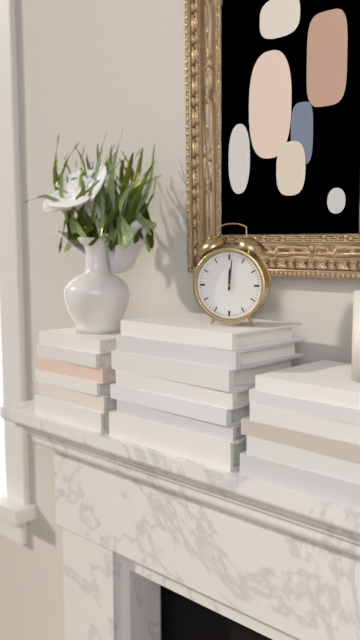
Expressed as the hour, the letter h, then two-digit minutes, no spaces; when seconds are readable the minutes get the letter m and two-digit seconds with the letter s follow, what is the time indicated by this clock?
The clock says 12h01
